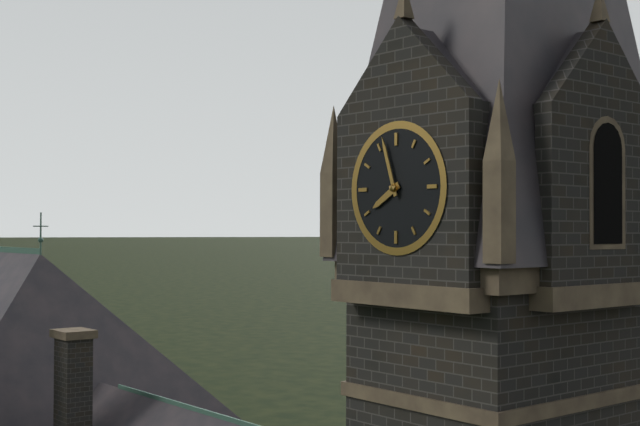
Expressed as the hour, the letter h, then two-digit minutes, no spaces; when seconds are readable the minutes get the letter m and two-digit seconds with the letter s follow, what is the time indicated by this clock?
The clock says 7h57
